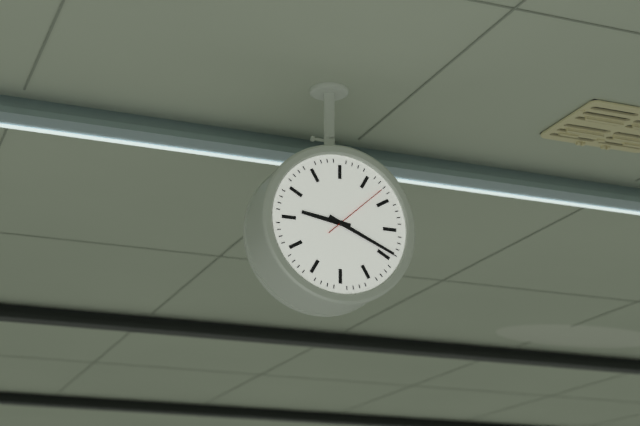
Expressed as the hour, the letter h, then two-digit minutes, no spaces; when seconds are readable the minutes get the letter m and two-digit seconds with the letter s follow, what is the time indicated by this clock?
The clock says 9h19m08s
